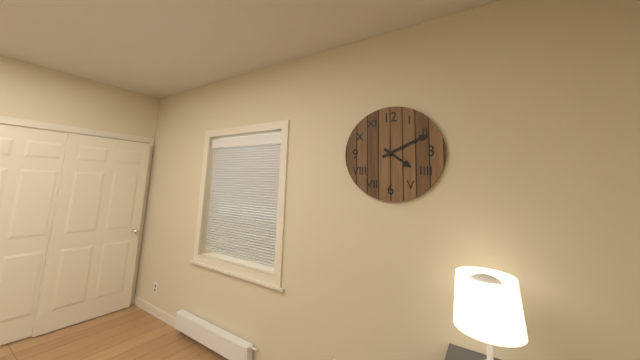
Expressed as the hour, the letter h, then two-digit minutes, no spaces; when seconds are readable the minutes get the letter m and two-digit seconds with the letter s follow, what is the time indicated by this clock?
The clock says 4h11
